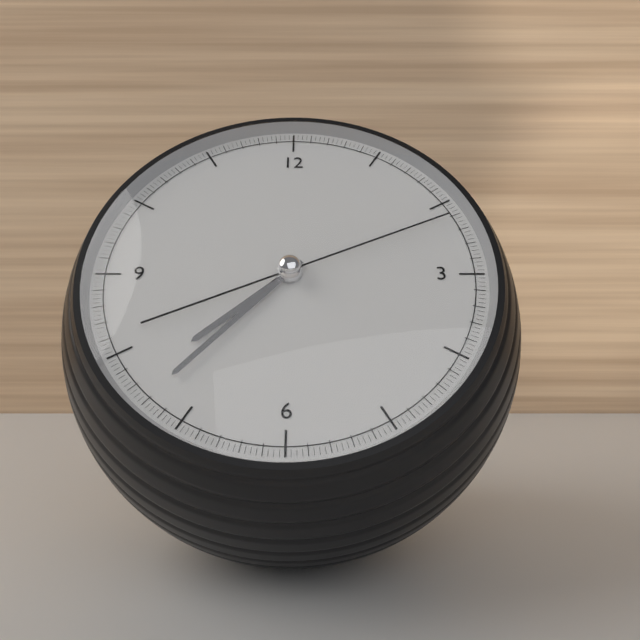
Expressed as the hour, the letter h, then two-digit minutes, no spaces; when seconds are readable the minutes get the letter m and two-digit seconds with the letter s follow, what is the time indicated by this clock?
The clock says 7h37m11s
